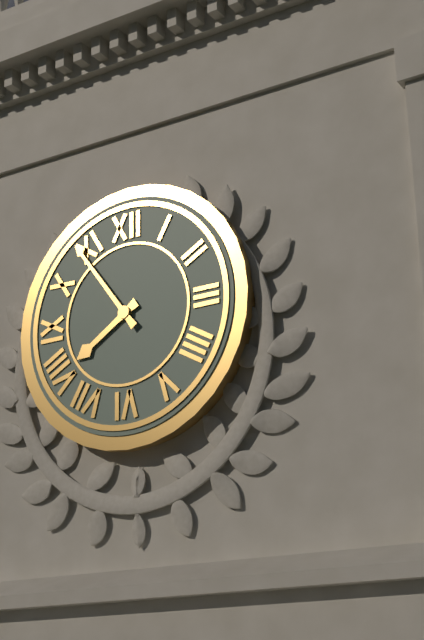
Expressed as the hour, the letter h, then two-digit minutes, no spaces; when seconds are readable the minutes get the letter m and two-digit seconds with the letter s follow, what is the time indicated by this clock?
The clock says 7h54
